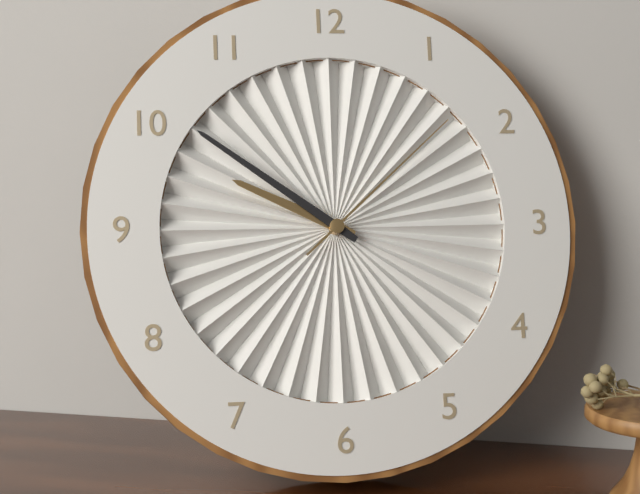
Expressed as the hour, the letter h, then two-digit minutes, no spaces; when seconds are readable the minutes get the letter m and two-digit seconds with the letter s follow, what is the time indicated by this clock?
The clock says 9h51m08s
